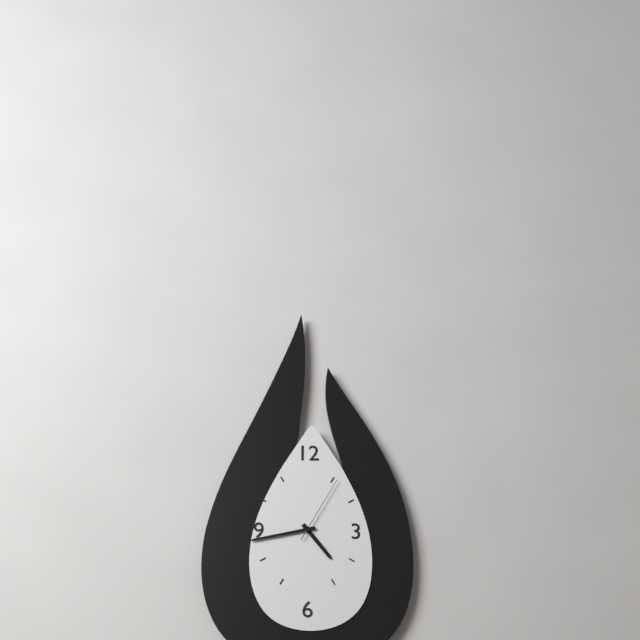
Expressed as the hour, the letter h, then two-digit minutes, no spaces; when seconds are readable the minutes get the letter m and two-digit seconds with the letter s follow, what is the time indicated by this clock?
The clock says 4h43m05s
